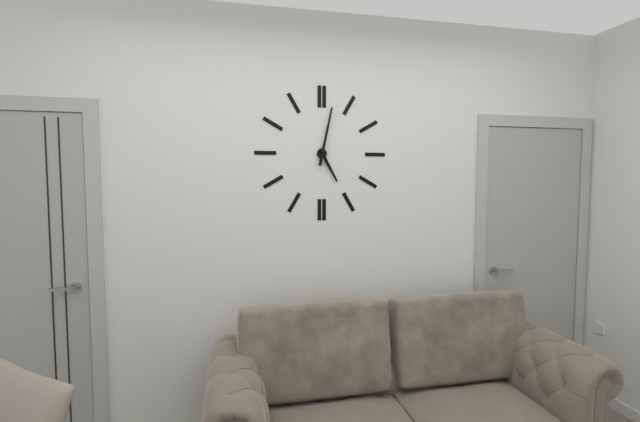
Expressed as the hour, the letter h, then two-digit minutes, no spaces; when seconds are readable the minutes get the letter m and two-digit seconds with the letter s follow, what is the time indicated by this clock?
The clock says 5h02
